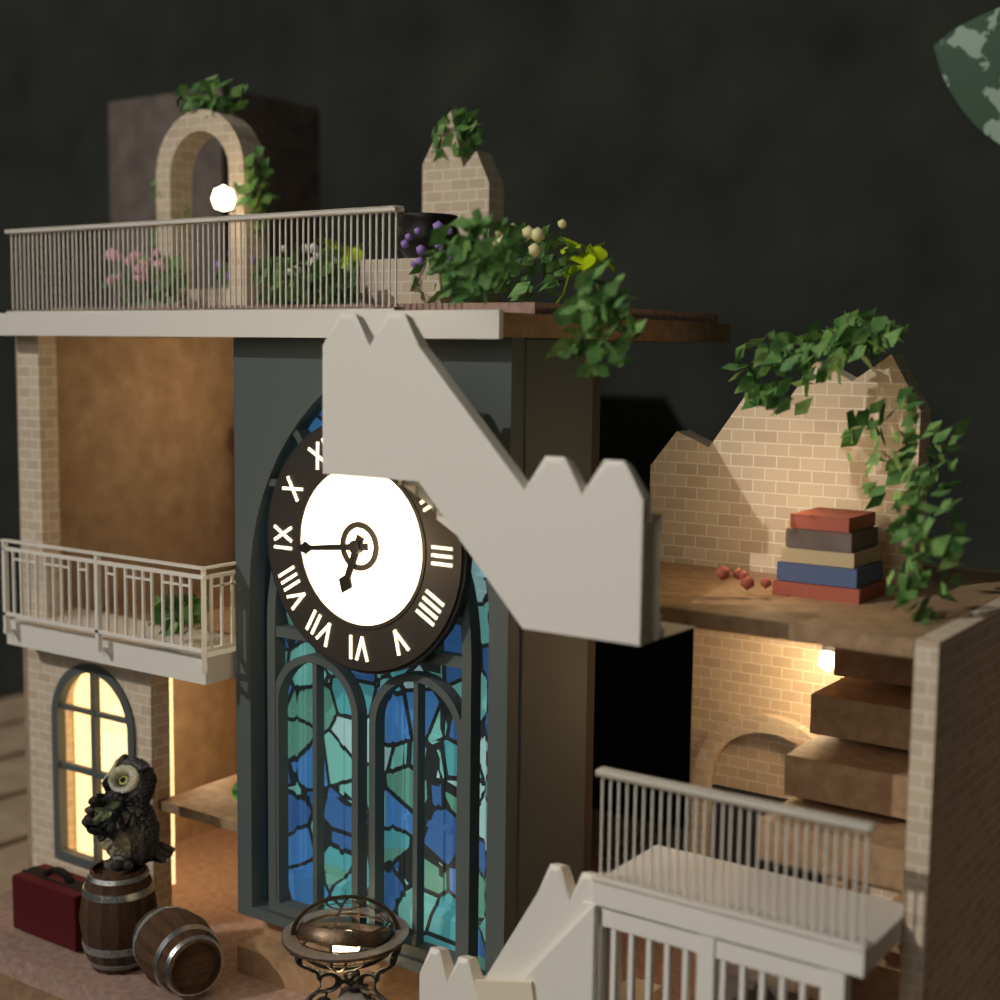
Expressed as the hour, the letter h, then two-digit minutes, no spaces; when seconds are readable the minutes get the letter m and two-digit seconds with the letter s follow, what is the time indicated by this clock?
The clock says 6h44
